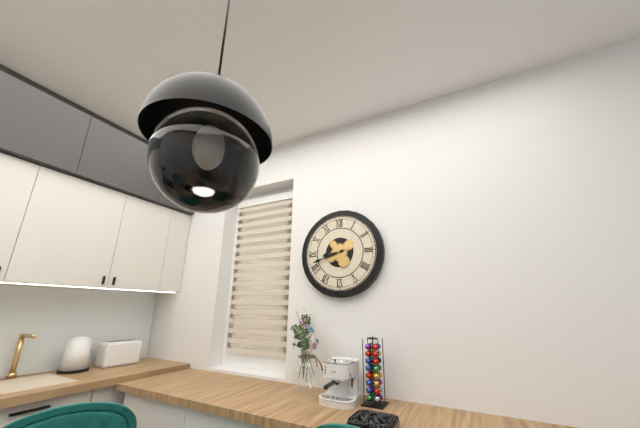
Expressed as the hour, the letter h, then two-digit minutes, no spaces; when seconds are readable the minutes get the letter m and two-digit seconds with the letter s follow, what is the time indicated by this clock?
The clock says 8h42
